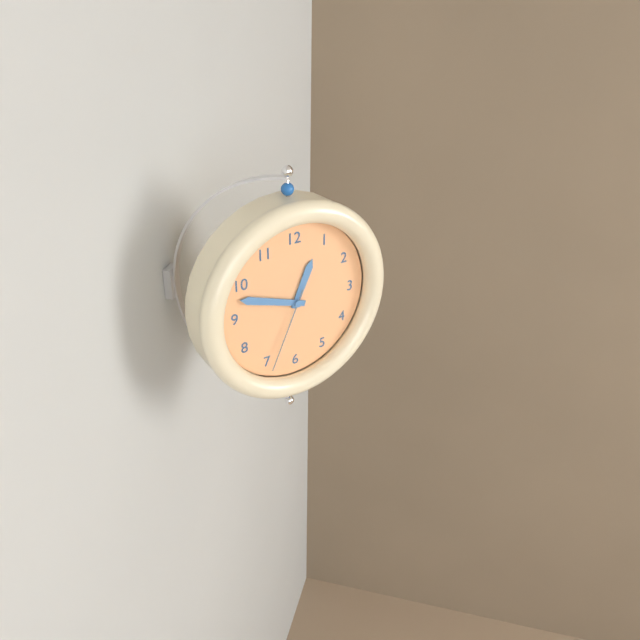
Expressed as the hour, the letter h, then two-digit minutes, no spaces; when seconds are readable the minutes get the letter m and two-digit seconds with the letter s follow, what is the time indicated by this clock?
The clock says 12h48m34s
